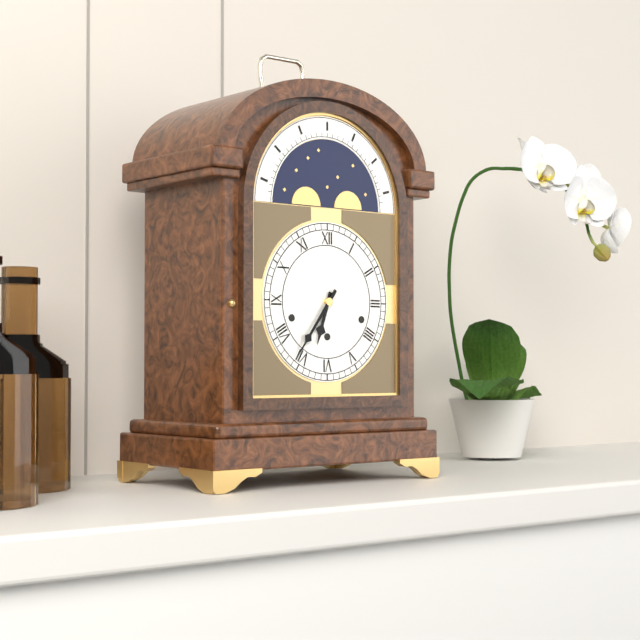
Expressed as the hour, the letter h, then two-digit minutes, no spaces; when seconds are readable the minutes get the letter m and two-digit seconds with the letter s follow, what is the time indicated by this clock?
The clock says 6h36
